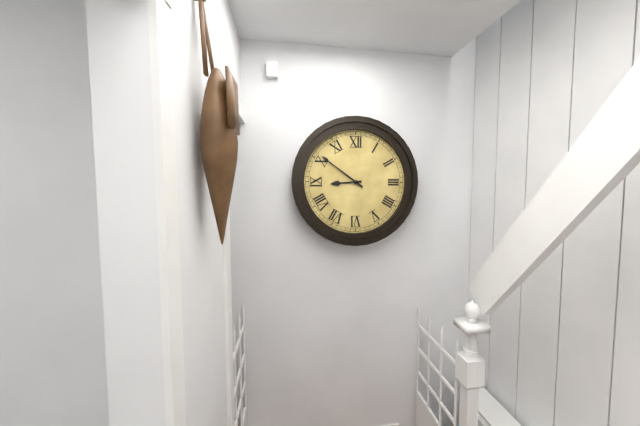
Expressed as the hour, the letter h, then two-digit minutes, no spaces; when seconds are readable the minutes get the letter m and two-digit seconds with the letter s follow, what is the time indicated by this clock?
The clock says 8h51
